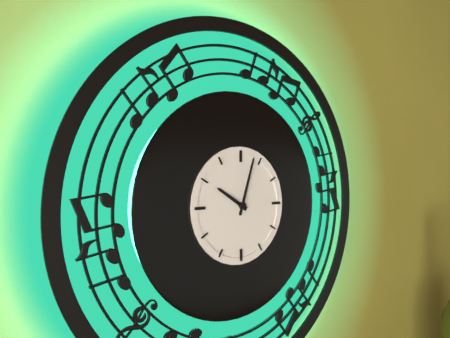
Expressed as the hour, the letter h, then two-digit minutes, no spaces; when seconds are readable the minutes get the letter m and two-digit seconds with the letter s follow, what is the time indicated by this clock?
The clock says 10h03
